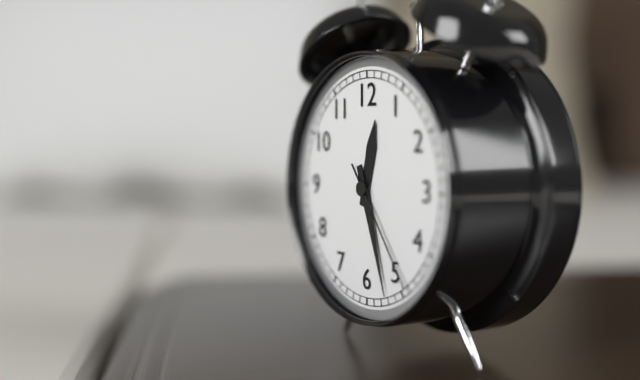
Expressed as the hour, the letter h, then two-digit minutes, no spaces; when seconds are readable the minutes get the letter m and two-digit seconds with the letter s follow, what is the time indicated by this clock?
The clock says 12h27m24s
